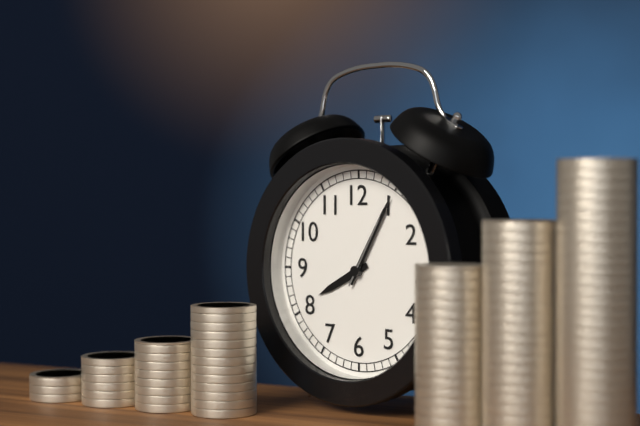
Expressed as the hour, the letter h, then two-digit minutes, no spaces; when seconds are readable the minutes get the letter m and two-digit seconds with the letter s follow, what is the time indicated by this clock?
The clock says 8h05m05s
